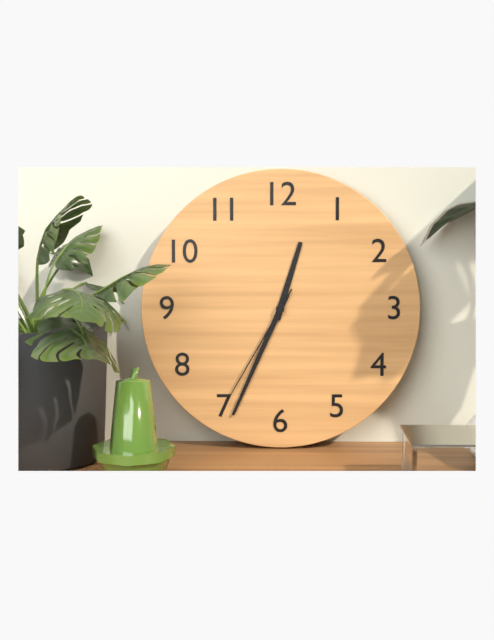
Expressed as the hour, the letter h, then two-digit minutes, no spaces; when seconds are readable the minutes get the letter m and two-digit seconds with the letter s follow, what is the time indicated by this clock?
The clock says 12h34m35s
